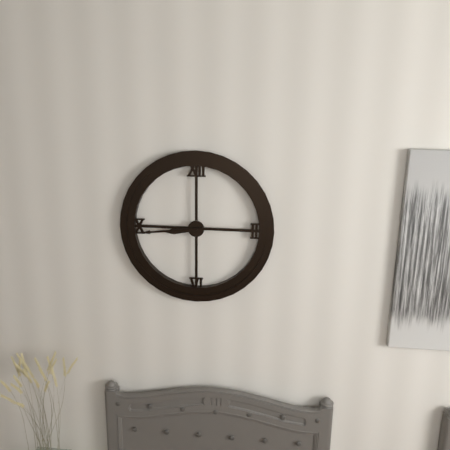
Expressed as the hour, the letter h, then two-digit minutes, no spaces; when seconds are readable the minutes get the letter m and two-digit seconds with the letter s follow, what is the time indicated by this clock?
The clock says 8h44
